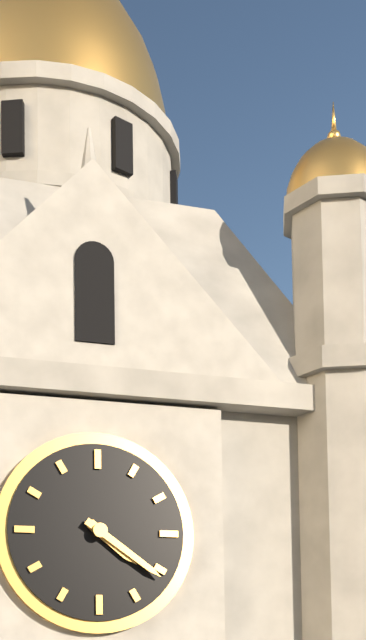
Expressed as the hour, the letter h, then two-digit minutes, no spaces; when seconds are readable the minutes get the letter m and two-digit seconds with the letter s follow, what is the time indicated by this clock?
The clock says 4h21
